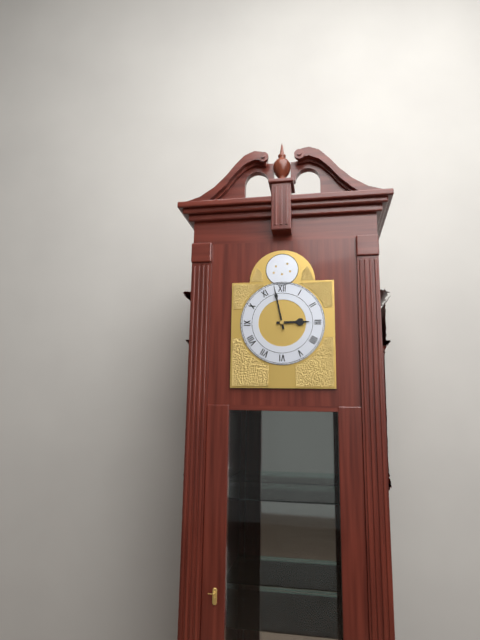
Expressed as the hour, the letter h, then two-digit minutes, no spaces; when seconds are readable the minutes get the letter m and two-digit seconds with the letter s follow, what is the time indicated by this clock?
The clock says 2h58
